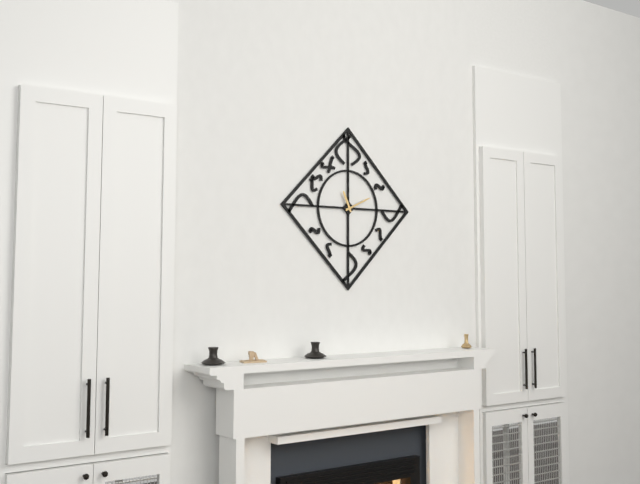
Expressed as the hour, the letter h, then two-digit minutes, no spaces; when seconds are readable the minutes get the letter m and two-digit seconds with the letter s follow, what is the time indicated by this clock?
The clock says 11h11
